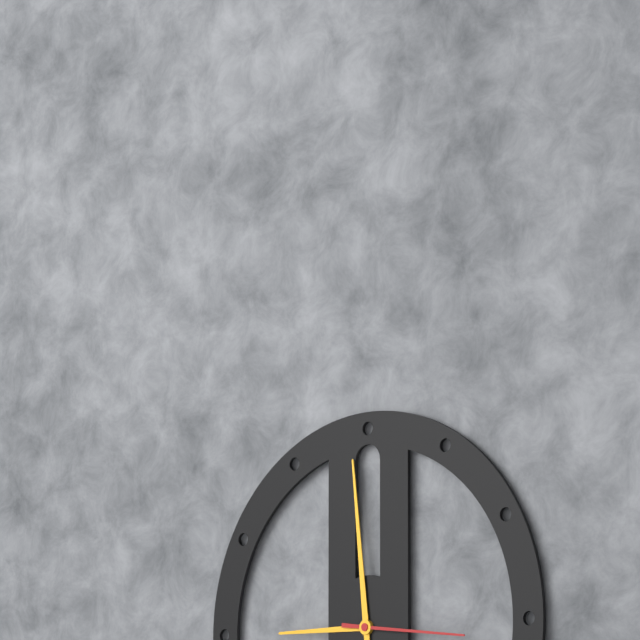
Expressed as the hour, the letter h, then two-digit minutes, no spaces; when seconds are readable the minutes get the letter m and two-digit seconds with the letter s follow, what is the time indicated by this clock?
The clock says 8h59m16s
